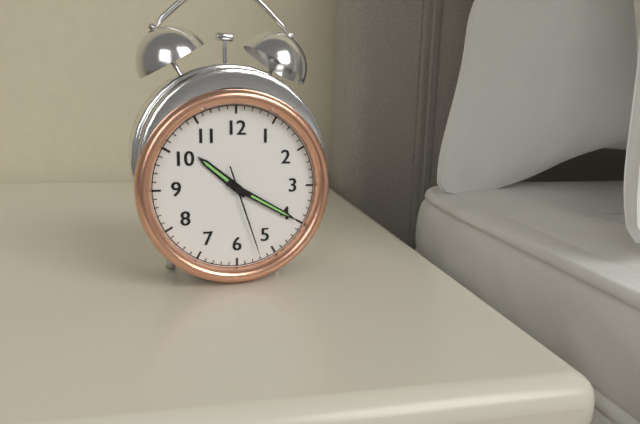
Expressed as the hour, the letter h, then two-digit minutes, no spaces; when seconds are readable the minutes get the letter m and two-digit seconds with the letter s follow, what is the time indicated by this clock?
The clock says 10h20m27s
